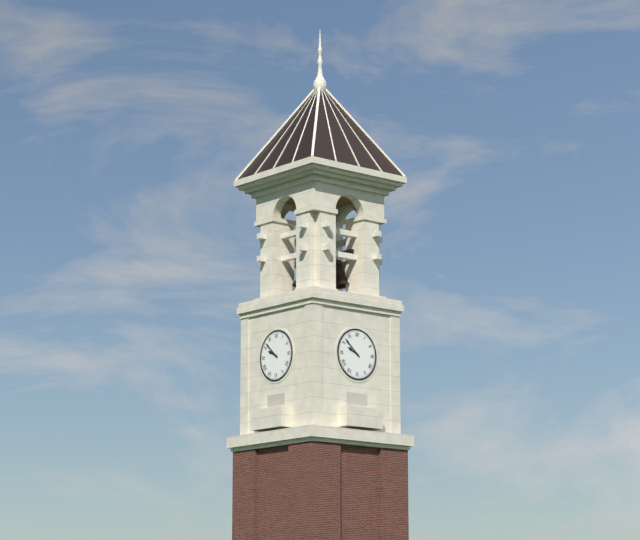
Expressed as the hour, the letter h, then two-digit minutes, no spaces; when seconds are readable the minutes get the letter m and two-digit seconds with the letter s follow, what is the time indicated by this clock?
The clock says 9h52
